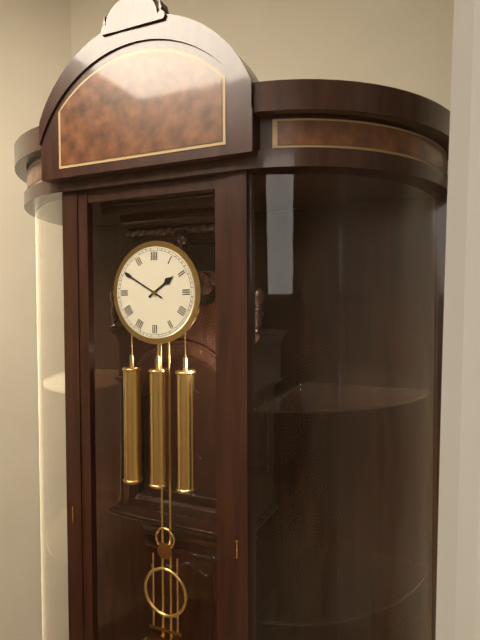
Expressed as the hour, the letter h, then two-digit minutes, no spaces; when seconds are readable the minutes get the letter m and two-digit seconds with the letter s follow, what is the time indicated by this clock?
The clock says 1h50
